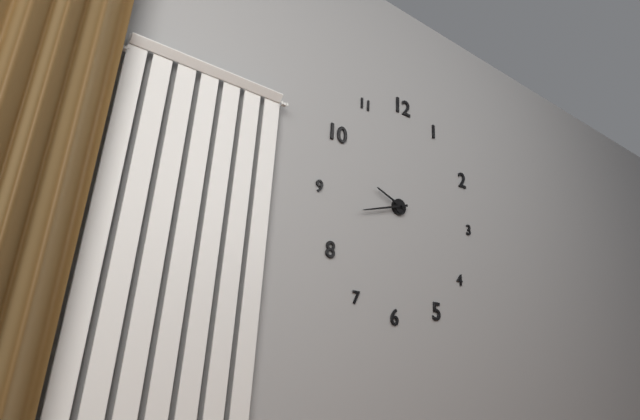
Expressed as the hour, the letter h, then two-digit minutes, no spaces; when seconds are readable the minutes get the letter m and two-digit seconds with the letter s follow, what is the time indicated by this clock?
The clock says 9h42
